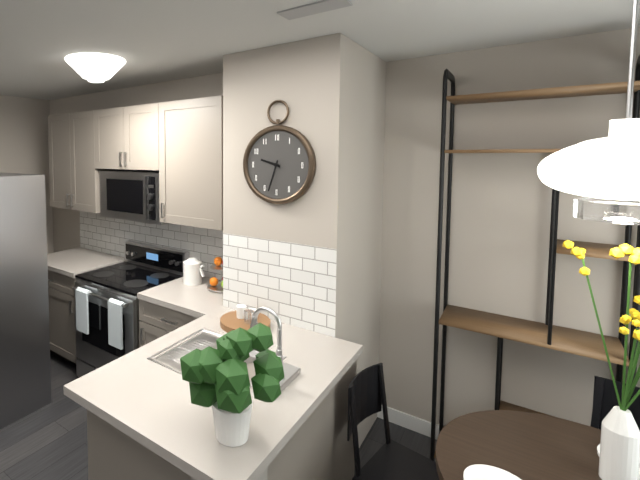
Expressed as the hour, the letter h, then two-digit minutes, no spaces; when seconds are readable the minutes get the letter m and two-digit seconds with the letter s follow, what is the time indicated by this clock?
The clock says 9h33
